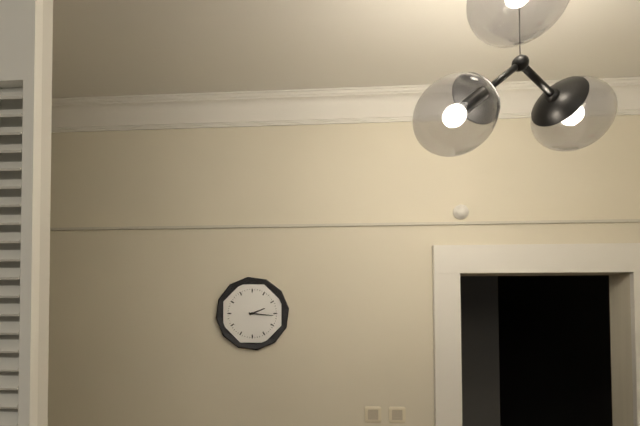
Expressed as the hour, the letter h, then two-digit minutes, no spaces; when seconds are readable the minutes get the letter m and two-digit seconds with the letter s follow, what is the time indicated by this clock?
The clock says 2h16
